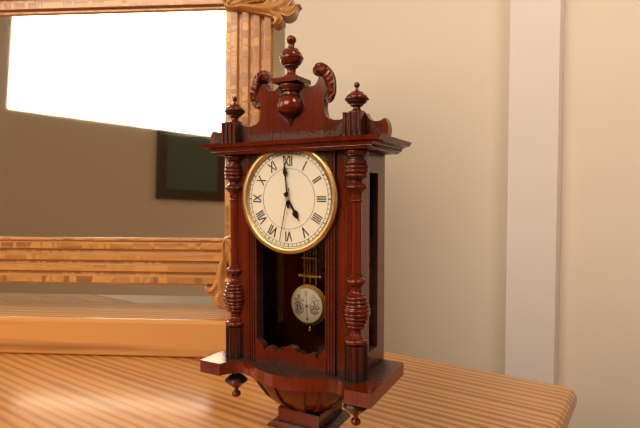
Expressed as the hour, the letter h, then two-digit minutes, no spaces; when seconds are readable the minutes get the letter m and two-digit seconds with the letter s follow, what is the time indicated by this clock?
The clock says 4h59m32s
